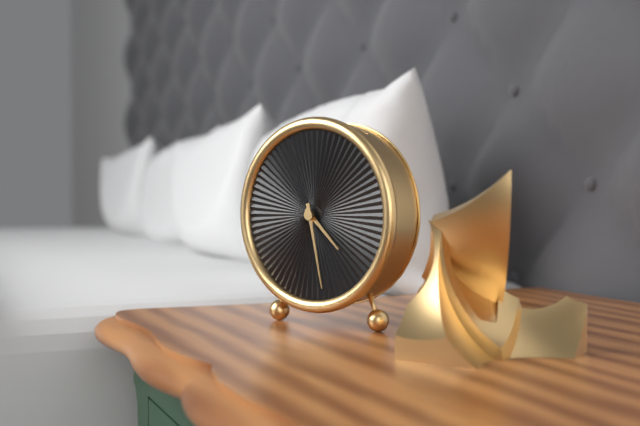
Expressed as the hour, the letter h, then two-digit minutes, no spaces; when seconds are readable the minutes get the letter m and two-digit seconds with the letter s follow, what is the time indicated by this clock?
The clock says 4h28
